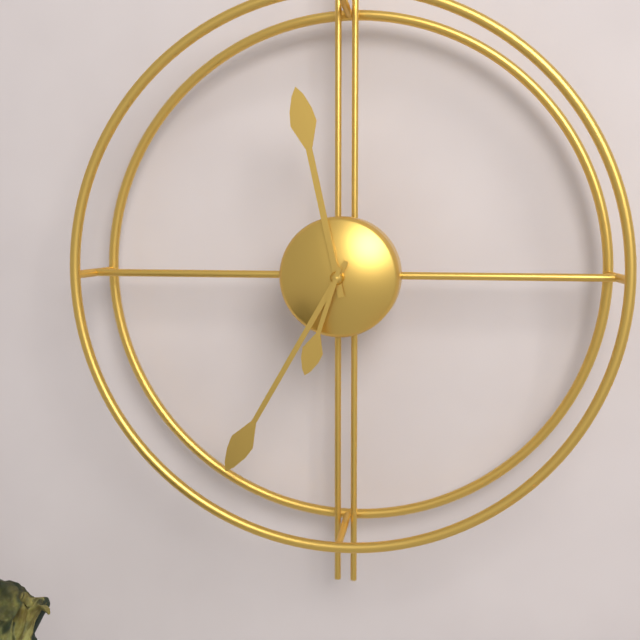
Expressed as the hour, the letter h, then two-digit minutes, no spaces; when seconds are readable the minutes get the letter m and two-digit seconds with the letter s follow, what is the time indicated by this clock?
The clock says 11h35m33s
